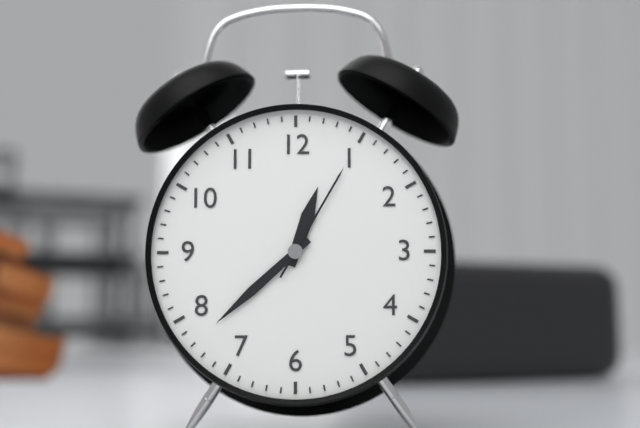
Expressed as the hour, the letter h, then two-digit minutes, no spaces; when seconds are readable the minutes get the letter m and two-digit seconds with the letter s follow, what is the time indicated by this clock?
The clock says 12h38m05s
